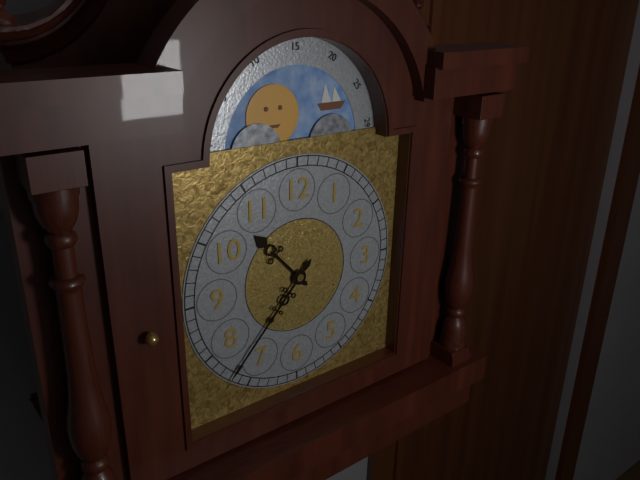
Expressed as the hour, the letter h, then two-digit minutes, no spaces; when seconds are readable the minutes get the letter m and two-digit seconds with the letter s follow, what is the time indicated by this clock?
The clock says 10h37
